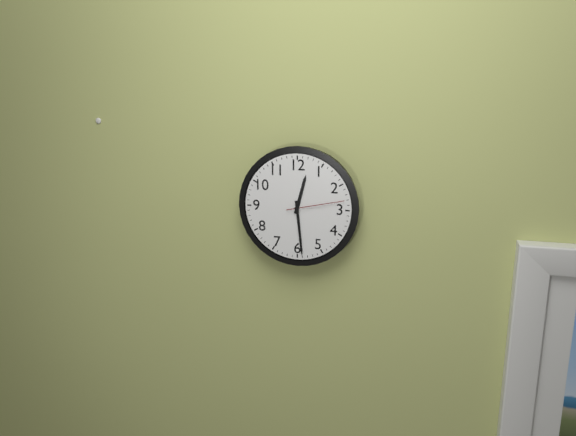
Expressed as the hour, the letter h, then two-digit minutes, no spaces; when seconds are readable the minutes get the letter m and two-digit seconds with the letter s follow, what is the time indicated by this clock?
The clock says 12h29m13s
